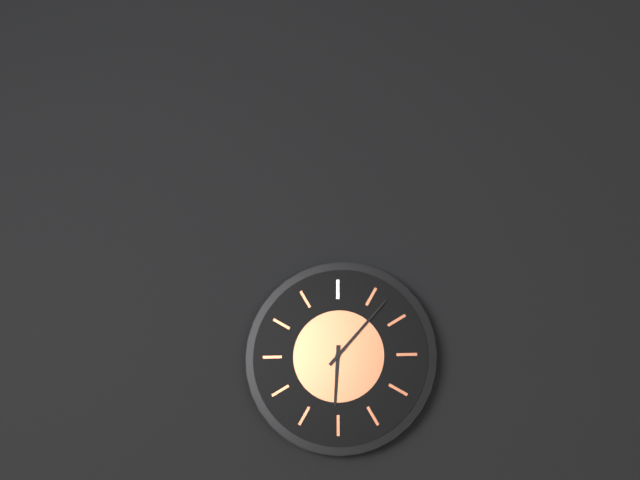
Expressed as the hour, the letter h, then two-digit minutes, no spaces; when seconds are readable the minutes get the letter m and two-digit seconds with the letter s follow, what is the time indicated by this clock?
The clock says 6h07
